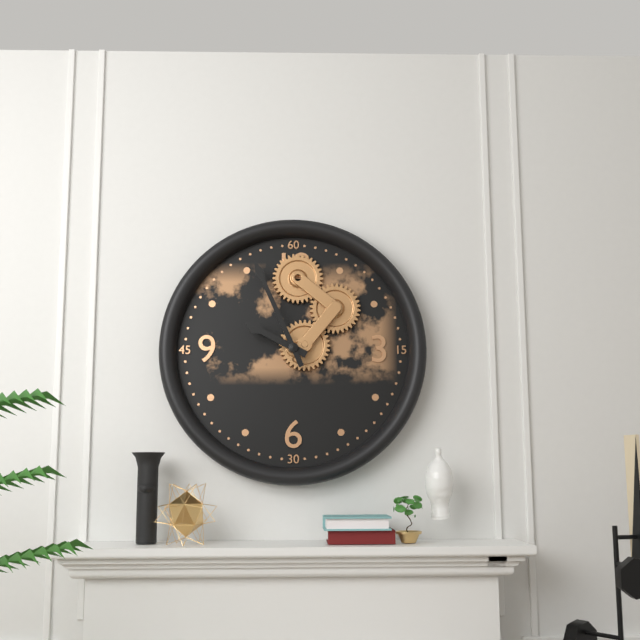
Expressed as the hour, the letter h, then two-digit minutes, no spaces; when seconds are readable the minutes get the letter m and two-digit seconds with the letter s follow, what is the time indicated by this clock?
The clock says 9h56
